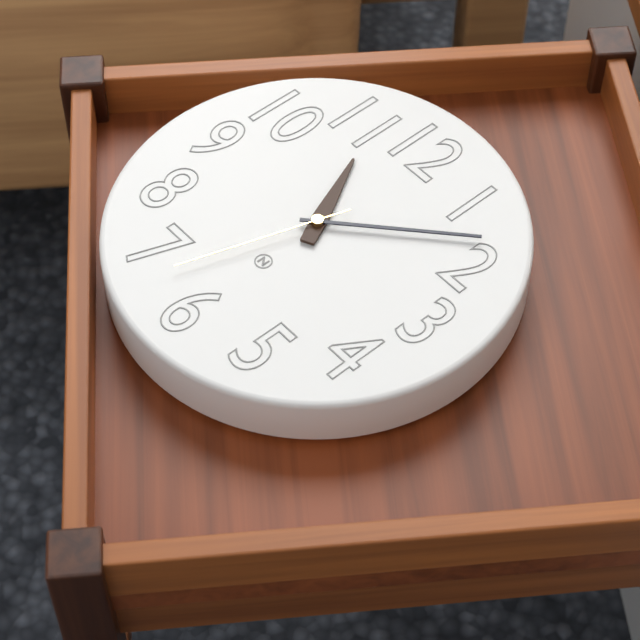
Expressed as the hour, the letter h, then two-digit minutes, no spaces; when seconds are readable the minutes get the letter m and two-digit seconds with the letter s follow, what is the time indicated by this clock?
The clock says 11h08m33s
